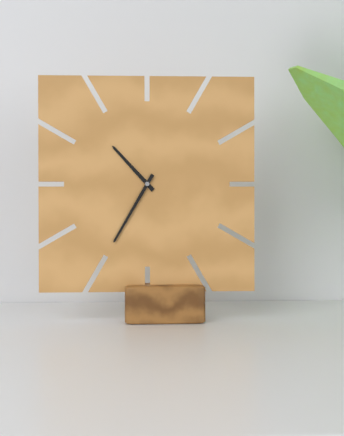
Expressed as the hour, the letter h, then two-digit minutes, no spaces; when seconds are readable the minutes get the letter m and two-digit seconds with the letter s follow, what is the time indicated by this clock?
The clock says 10h35
